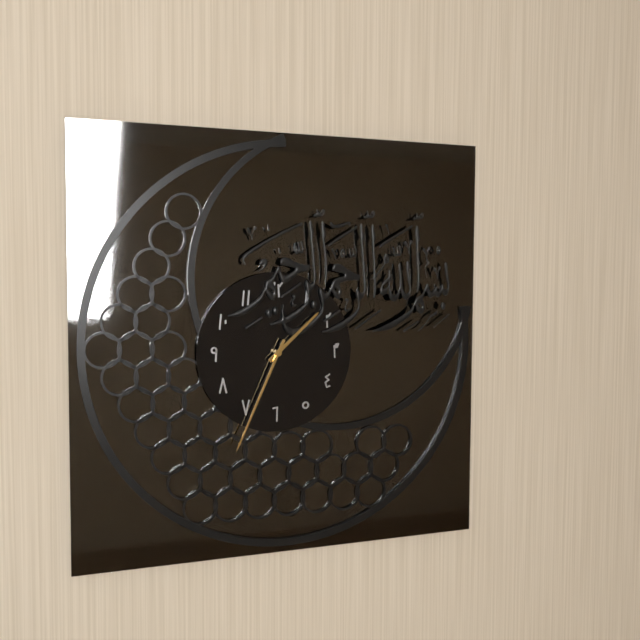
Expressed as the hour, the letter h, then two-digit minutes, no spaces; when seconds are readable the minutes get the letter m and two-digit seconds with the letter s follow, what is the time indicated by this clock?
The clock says 1h34
